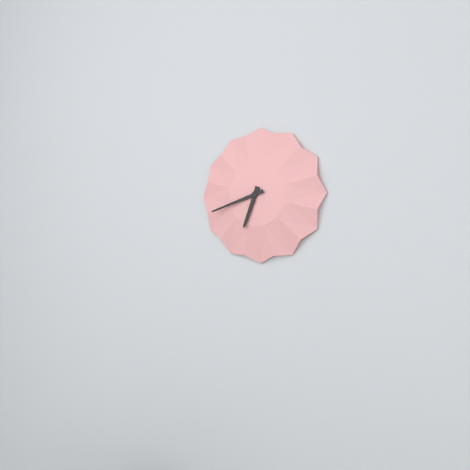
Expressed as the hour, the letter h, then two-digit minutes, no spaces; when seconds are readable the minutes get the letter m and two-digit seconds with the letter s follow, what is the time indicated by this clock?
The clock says 6h42
